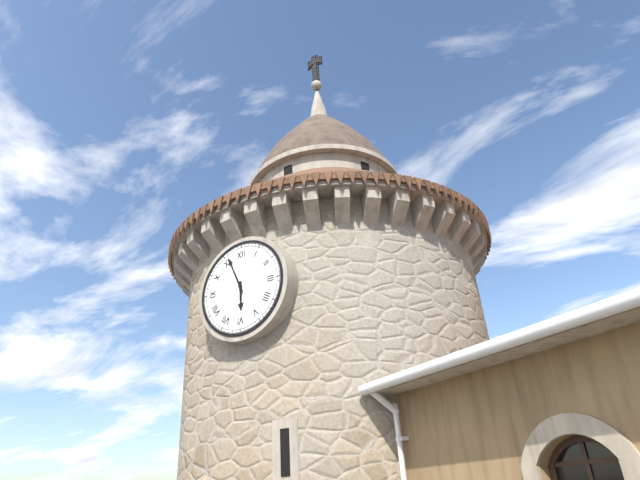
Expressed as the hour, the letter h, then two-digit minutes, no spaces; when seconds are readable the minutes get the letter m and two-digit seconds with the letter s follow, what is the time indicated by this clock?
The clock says 5h56
